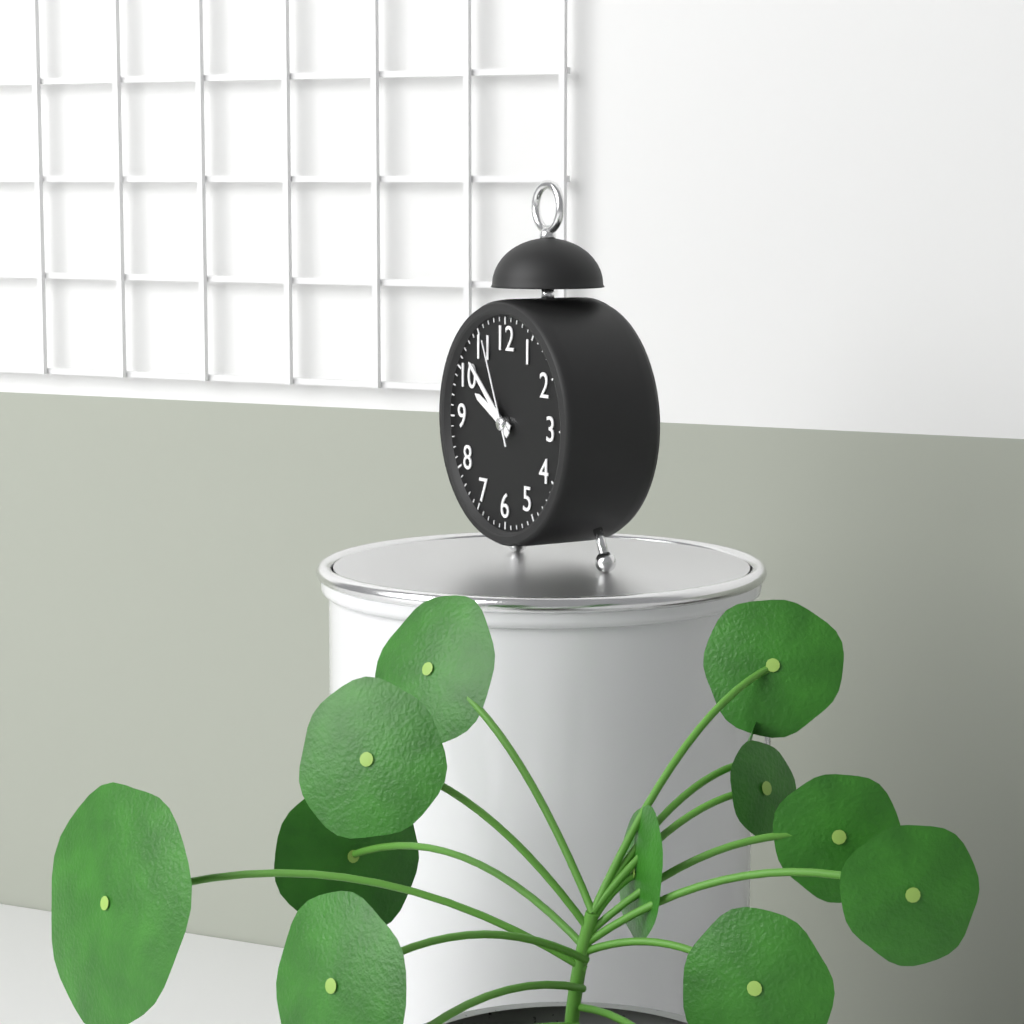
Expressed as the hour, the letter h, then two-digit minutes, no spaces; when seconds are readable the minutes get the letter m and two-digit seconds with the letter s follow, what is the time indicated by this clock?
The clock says 9h52m56s
